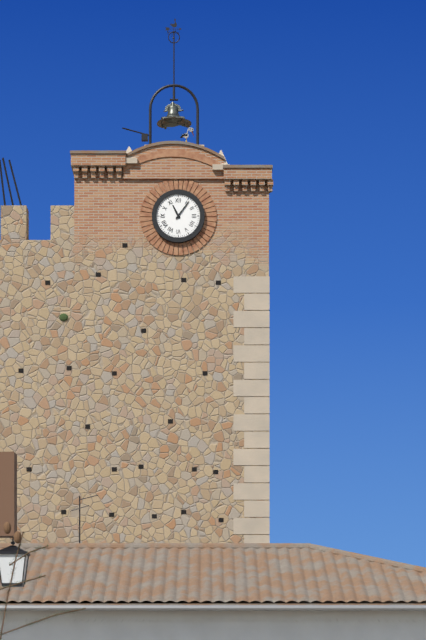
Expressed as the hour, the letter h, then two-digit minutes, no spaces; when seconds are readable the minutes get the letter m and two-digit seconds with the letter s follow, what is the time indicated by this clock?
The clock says 11h06
